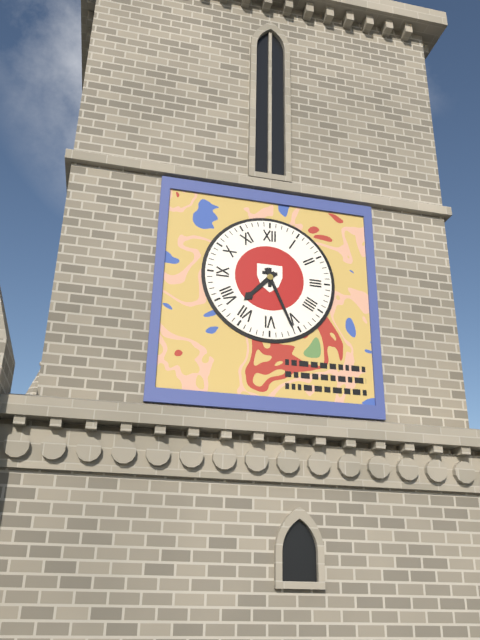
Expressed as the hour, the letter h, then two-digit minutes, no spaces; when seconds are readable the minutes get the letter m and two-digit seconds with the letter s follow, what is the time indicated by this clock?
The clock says 7h26
